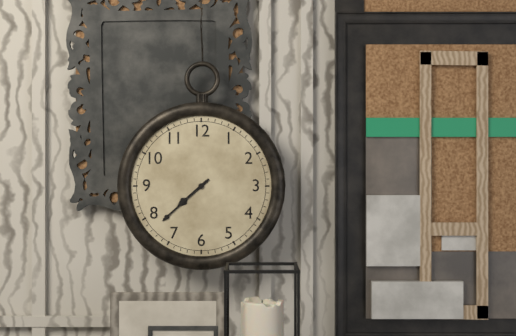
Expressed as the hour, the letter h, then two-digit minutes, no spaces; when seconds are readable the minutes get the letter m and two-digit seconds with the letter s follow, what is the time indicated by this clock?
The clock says 7h38
